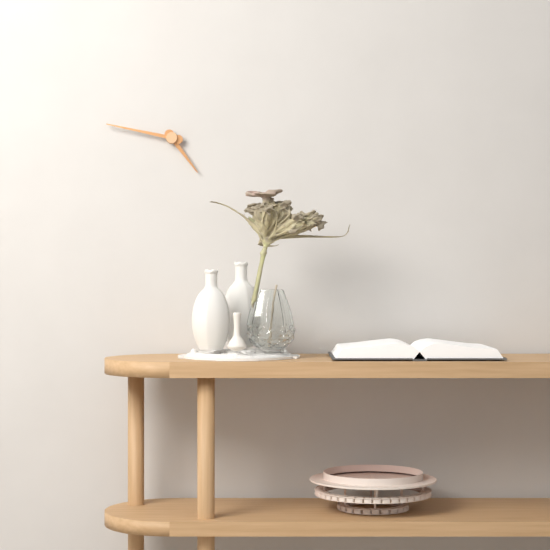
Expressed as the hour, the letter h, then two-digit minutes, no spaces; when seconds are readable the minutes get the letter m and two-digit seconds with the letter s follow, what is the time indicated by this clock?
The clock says 4h47
